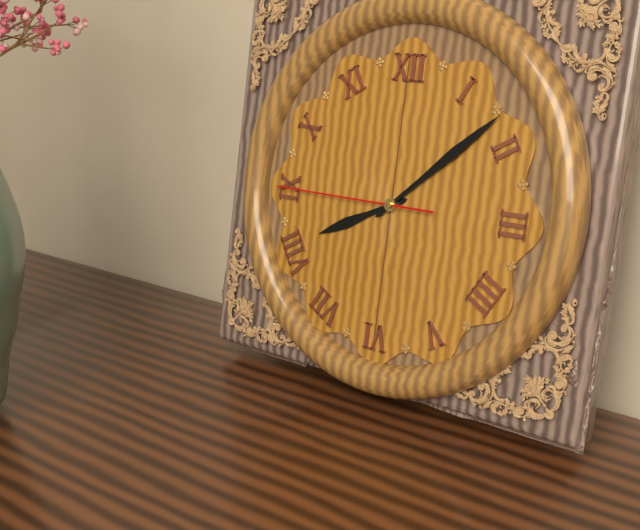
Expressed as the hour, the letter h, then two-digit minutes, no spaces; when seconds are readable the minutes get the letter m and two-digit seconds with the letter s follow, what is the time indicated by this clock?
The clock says 8h08m45s
